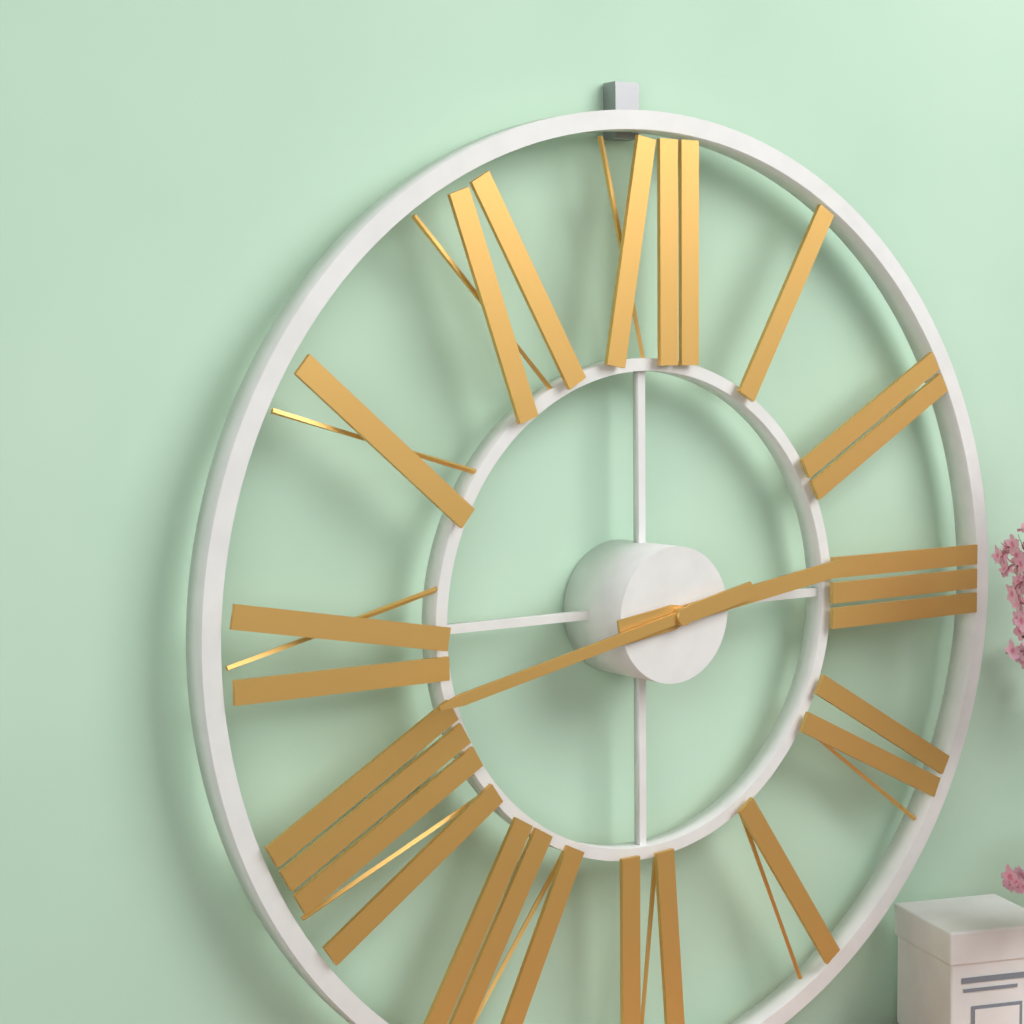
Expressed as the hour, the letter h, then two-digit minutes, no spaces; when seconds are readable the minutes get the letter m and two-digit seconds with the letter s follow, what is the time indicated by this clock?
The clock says 2h43
